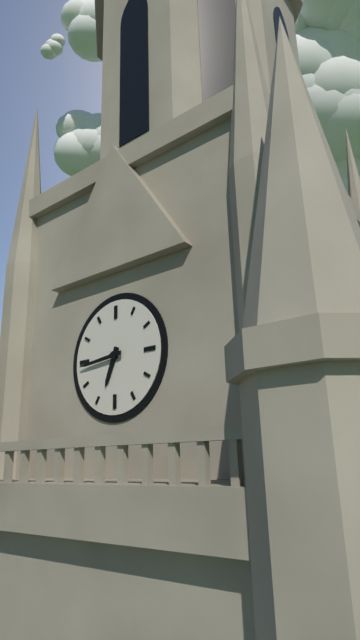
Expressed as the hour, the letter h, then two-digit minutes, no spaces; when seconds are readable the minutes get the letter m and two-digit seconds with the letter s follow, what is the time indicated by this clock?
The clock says 6h44
